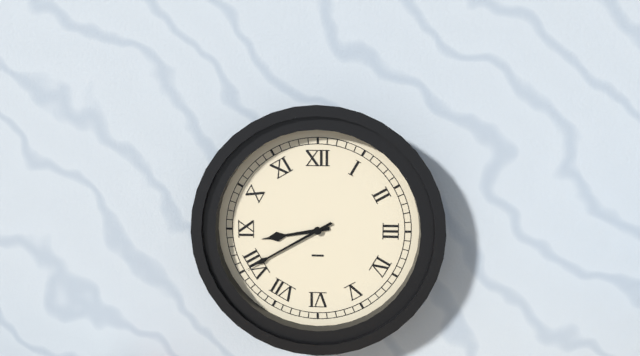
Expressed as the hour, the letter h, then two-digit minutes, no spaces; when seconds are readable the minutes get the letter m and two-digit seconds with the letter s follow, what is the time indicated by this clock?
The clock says 8h40
